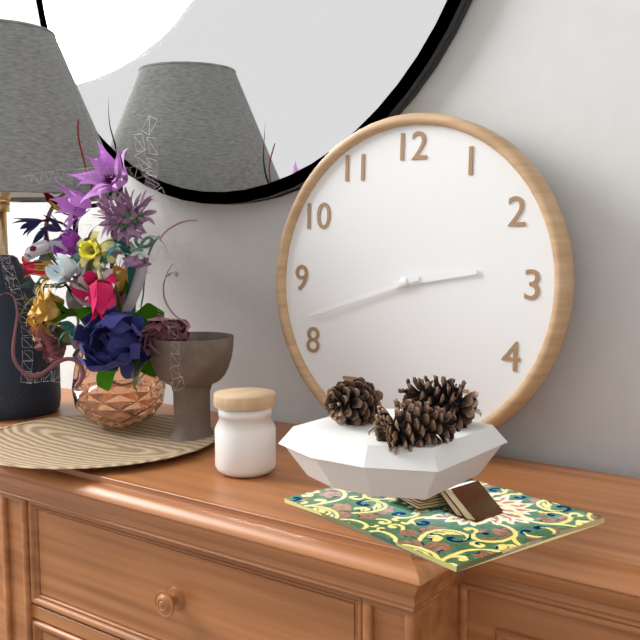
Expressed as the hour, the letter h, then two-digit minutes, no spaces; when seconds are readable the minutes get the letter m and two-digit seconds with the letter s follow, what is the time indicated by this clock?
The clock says 2h42
